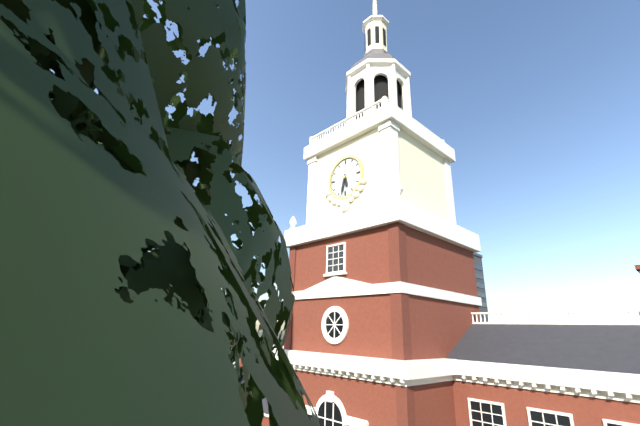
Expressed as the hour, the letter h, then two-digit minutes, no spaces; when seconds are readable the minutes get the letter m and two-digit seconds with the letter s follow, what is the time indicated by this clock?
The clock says 5h32
